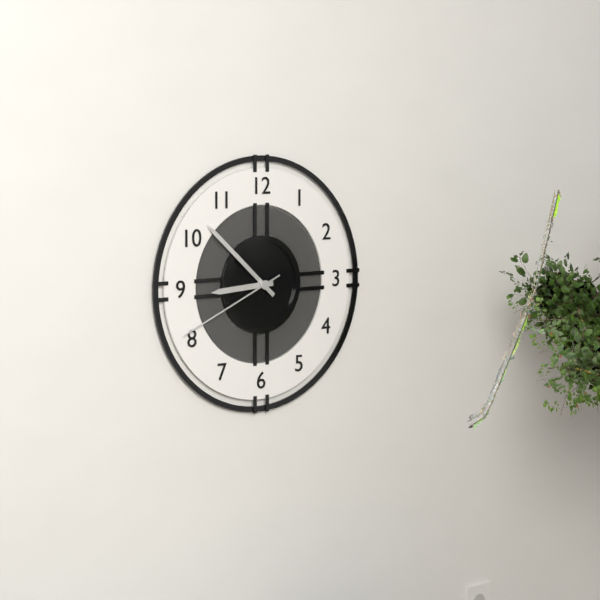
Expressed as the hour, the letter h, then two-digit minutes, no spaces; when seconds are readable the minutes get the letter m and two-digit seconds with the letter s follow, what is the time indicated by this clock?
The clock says 8h52m41s
